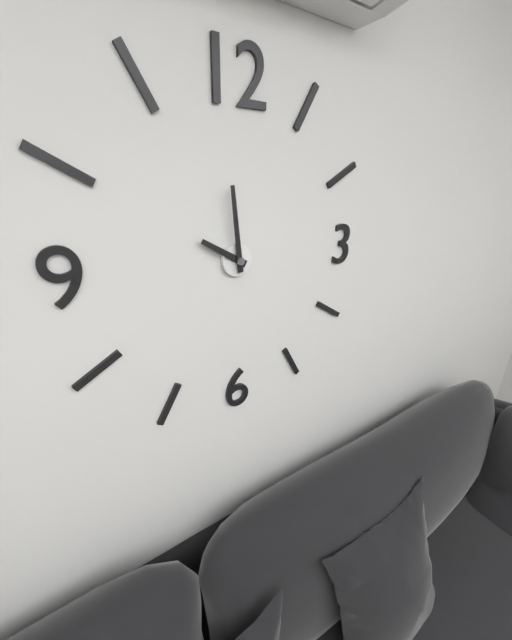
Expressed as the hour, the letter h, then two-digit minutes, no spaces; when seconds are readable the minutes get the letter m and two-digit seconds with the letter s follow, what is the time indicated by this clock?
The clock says 9h59
